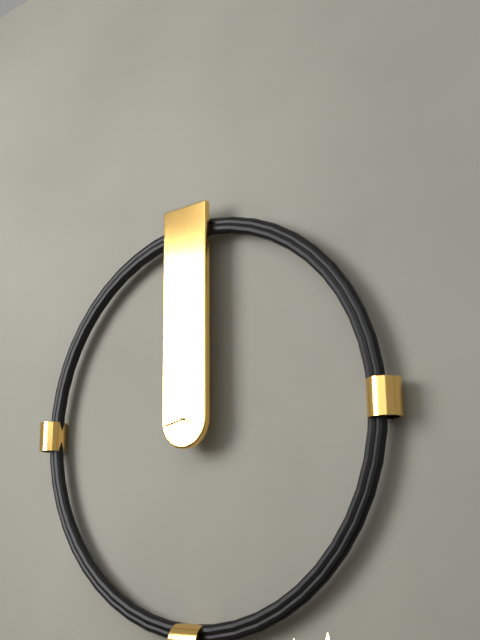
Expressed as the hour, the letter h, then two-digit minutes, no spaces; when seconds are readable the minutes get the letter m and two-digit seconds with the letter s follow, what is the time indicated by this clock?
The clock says 3h43
